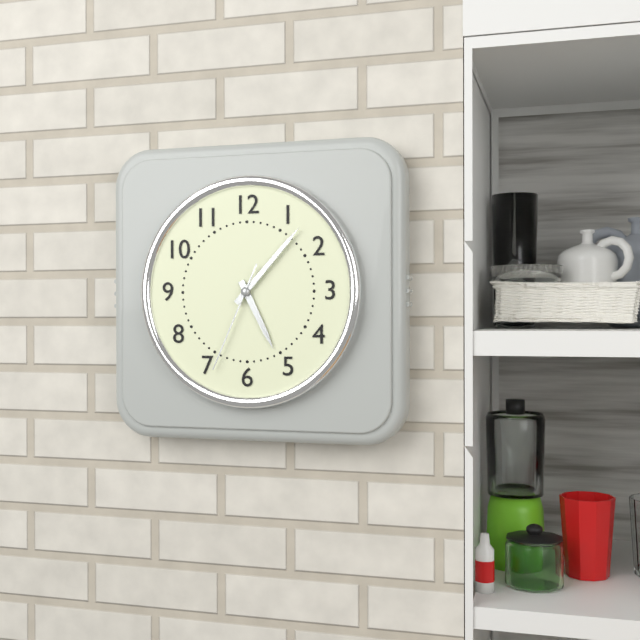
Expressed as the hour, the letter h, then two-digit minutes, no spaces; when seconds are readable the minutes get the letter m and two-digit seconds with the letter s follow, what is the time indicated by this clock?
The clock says 5h07m34s
